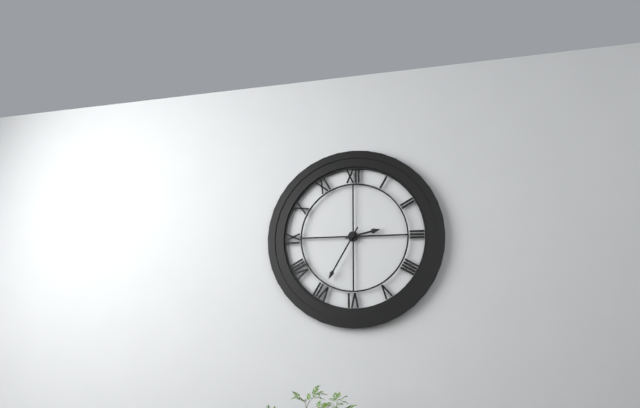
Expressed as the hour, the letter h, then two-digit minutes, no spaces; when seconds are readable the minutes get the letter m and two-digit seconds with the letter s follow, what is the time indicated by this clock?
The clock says 2h35
